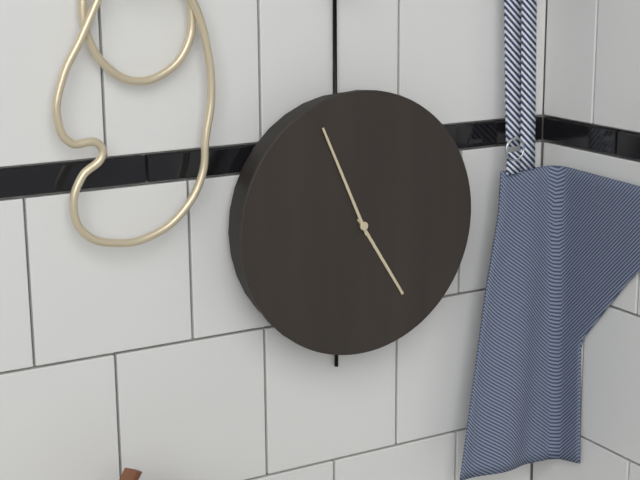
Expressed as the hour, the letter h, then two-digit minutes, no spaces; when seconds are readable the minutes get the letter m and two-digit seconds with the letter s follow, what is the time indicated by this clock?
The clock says 4h56
